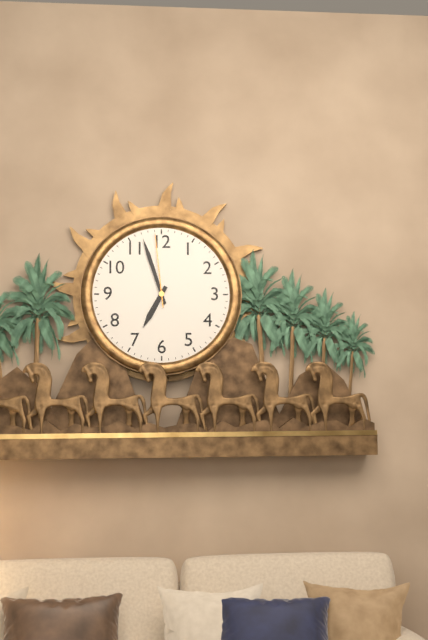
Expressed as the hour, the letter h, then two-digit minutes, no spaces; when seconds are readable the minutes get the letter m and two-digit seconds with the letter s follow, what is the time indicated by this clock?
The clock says 6h57m59s
